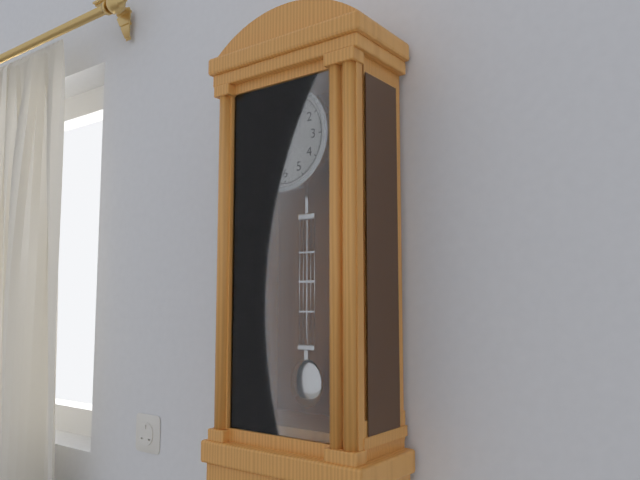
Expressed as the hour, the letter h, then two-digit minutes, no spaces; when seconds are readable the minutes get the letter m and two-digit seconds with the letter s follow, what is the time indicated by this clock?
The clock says 5h58
